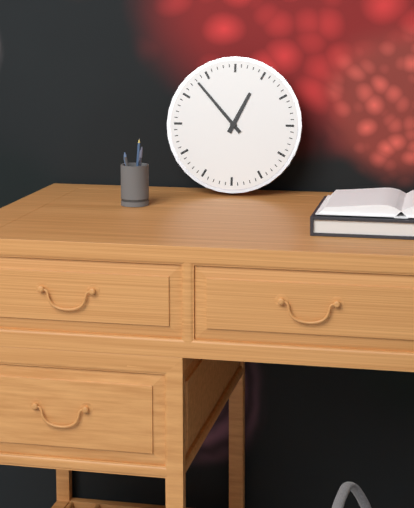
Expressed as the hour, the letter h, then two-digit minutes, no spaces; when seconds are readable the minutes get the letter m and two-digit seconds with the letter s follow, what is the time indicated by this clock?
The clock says 12h53
